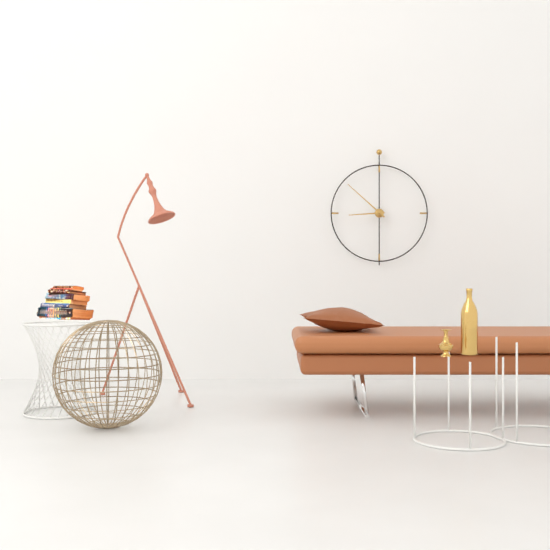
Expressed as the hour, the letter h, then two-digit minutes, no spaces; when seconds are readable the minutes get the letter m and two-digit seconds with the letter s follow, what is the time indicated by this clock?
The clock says 8h52
